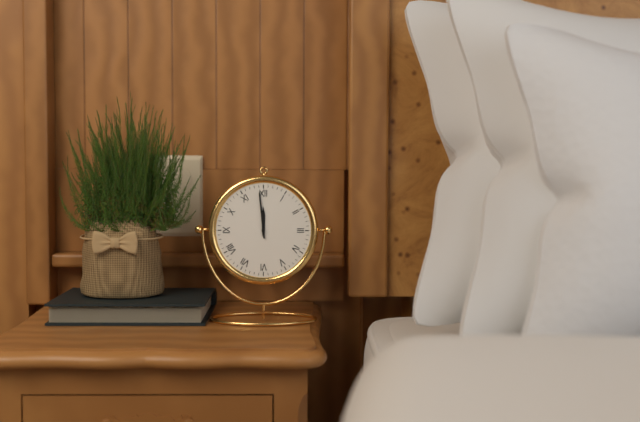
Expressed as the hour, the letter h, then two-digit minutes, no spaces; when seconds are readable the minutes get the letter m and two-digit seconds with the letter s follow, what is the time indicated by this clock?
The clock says 11h59
